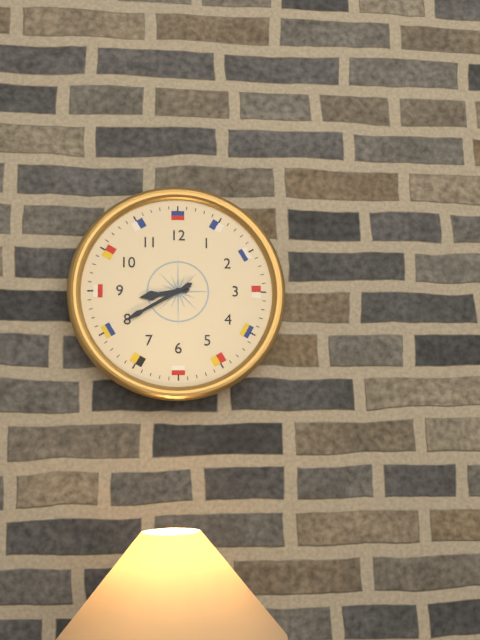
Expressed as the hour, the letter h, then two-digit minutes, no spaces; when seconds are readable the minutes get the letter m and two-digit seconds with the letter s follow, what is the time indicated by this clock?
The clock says 8h40
